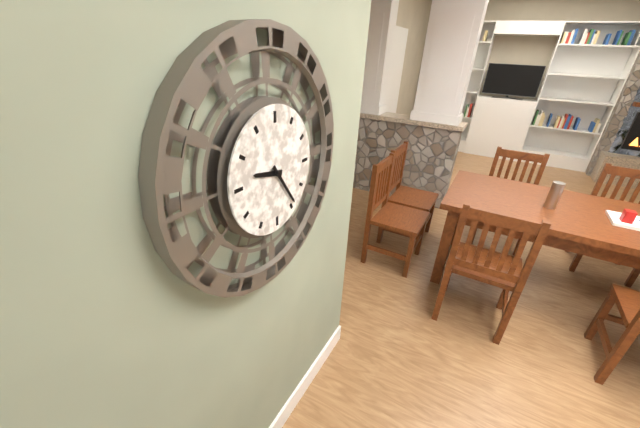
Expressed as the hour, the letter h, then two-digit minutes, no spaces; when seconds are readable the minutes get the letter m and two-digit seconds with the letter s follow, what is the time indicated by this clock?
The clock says 9h24
